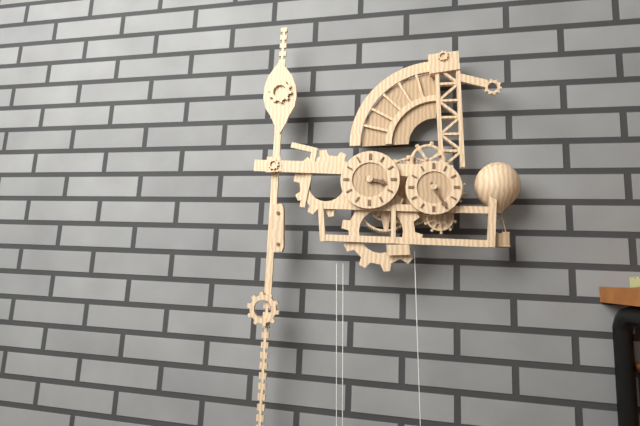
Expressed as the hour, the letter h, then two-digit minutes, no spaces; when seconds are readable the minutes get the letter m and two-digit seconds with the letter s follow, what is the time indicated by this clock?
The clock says 3h25
